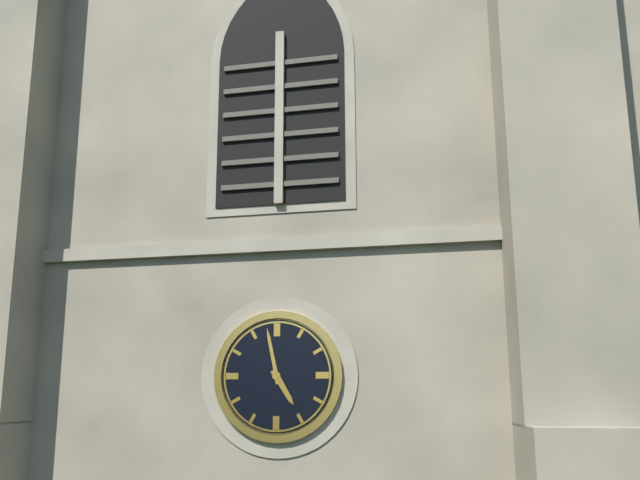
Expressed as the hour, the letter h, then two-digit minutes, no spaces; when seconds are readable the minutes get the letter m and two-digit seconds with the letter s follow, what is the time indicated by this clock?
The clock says 4h58
